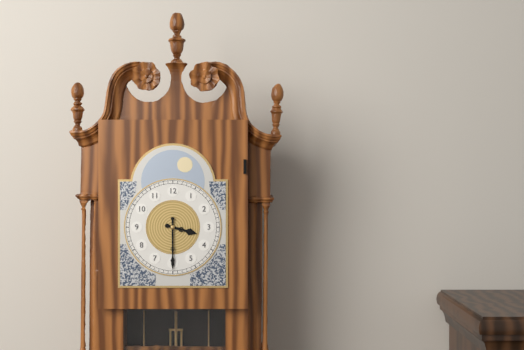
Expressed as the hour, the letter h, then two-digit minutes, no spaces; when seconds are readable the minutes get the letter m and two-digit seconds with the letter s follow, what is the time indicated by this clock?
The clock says 3h30
